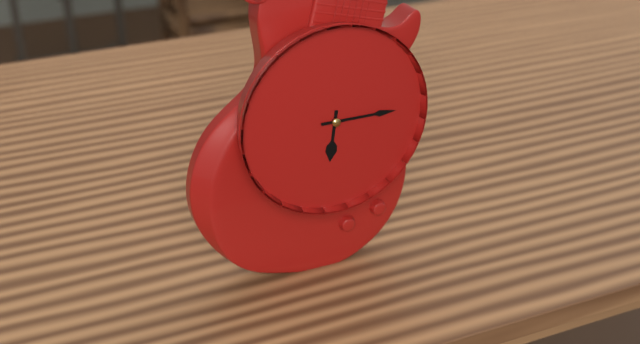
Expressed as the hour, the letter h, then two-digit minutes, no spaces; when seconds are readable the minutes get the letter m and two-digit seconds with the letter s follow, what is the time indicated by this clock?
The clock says 6h15
